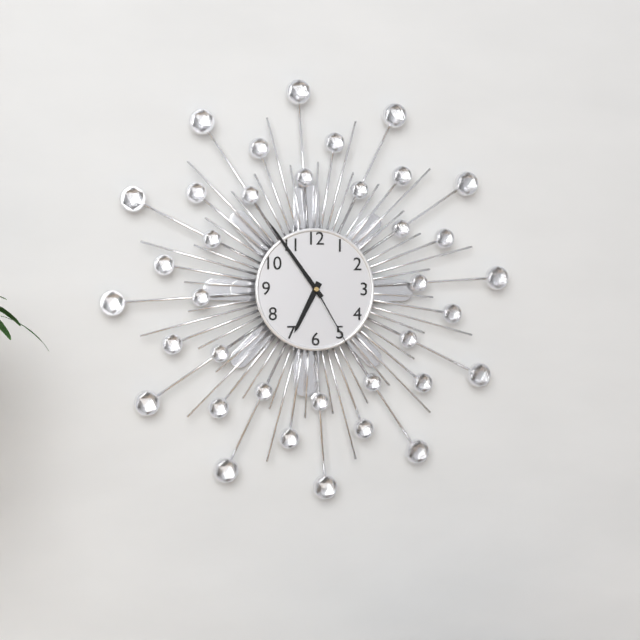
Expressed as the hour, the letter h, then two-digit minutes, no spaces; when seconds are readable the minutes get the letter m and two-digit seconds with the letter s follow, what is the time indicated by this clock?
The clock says 6h54m25s
